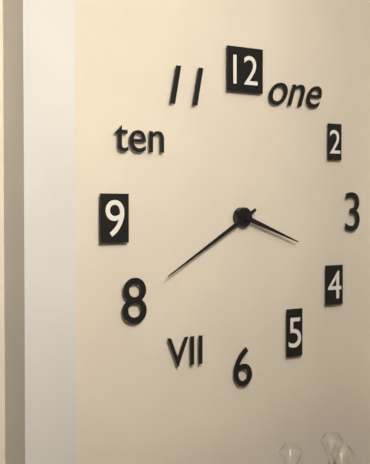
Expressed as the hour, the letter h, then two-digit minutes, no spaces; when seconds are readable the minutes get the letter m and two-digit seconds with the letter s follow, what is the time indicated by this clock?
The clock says 3h40
